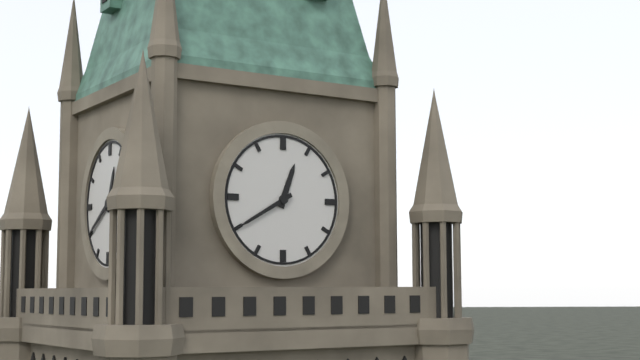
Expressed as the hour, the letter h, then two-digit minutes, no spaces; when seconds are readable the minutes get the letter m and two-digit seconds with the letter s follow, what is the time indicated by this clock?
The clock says 12h40
